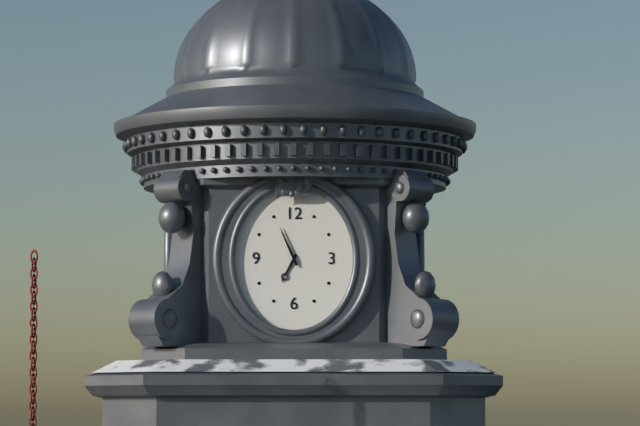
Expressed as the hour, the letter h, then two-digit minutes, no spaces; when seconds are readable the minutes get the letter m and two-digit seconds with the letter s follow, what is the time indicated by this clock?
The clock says 6h56
